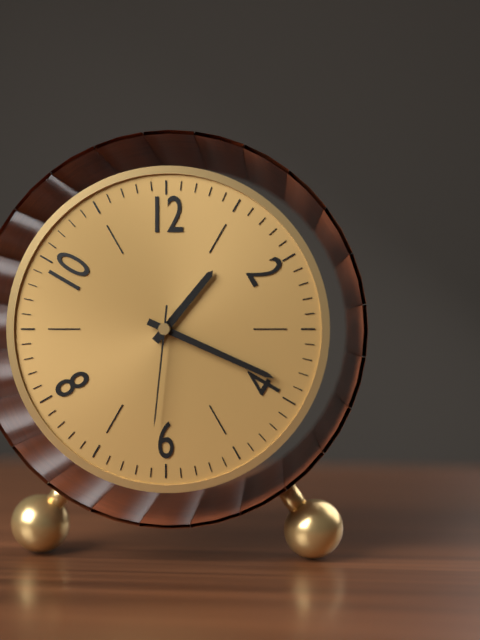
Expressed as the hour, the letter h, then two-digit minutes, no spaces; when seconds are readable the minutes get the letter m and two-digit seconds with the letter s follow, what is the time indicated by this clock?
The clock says 1h19m31s
